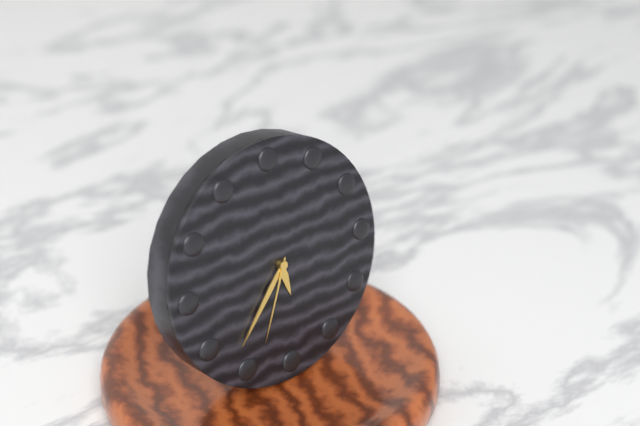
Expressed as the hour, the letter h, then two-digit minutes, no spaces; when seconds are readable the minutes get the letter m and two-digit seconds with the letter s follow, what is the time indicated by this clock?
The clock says 5h37m34s
